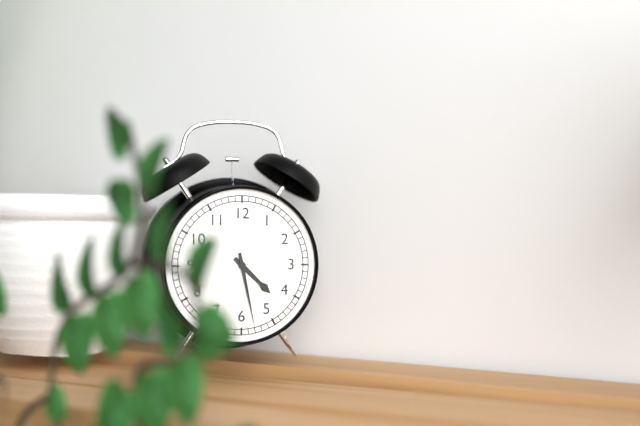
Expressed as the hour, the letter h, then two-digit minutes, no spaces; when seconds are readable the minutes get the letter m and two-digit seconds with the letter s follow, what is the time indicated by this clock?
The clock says 4h28
